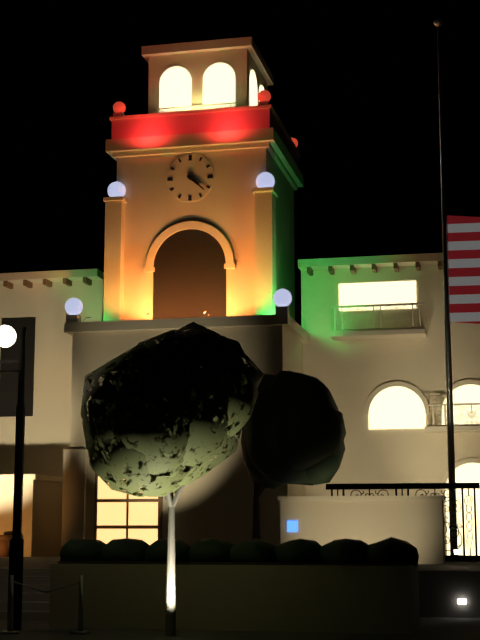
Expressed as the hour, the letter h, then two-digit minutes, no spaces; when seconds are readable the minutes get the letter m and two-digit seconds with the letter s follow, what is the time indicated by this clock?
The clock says 4h22
